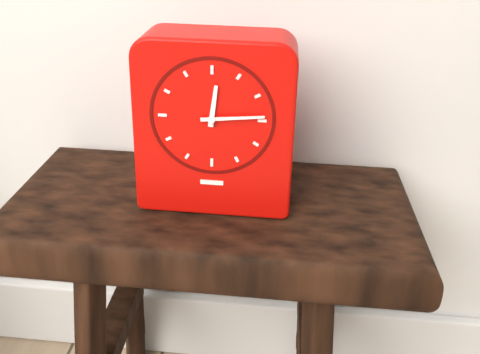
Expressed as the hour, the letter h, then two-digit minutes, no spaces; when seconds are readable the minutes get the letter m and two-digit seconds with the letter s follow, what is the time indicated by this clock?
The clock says 12h14
